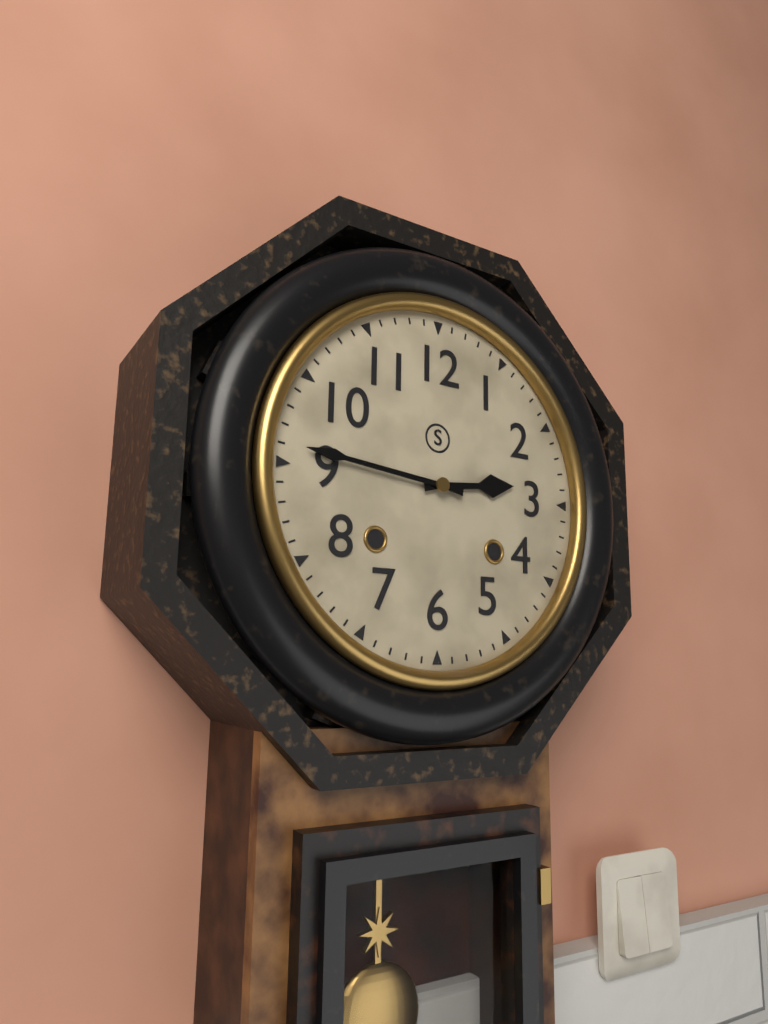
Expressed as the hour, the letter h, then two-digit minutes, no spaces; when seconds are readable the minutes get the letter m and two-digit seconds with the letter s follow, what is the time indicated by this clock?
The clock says 2h46
